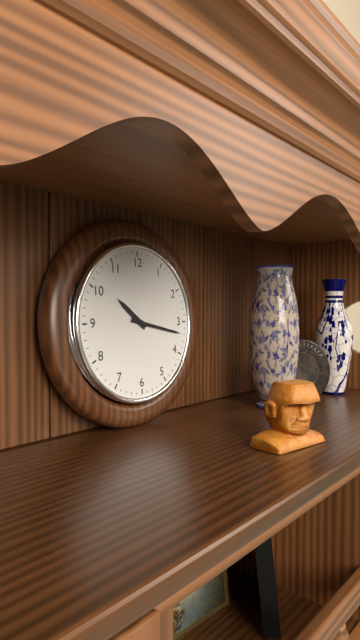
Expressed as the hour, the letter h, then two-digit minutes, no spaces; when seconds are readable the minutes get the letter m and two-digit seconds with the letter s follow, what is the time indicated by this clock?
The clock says 10h17
